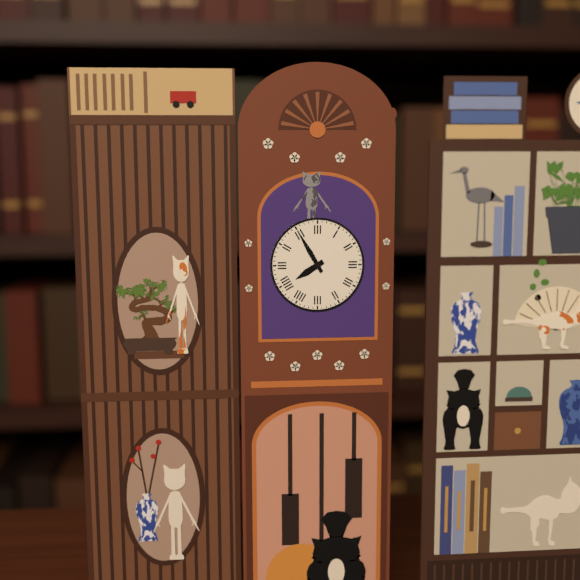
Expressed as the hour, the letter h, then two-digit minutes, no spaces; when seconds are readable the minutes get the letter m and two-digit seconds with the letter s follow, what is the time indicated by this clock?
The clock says 7h55
